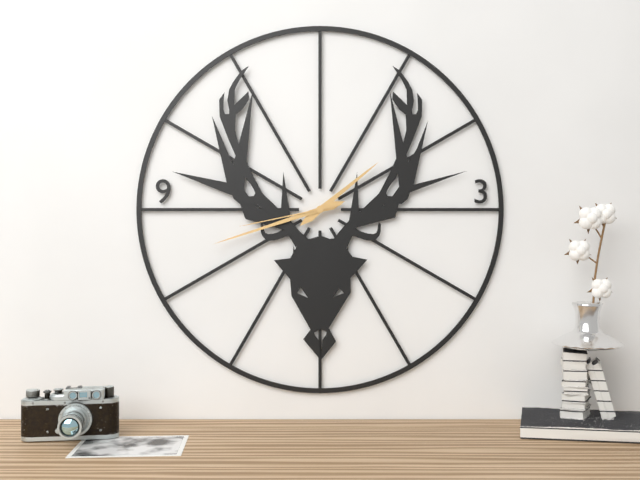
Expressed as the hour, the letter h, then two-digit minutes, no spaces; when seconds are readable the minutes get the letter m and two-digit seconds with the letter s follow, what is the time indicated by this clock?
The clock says 1h42m43s
